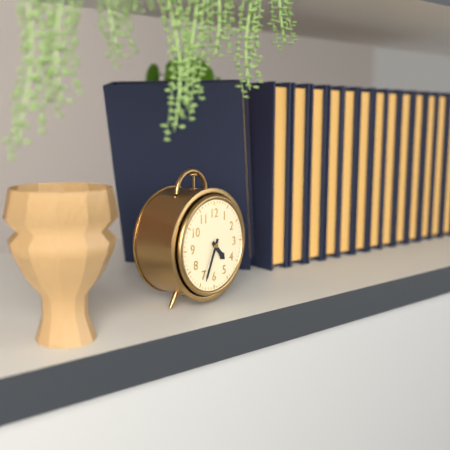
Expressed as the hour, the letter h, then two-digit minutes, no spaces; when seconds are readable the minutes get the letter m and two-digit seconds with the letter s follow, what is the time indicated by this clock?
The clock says 4h34
